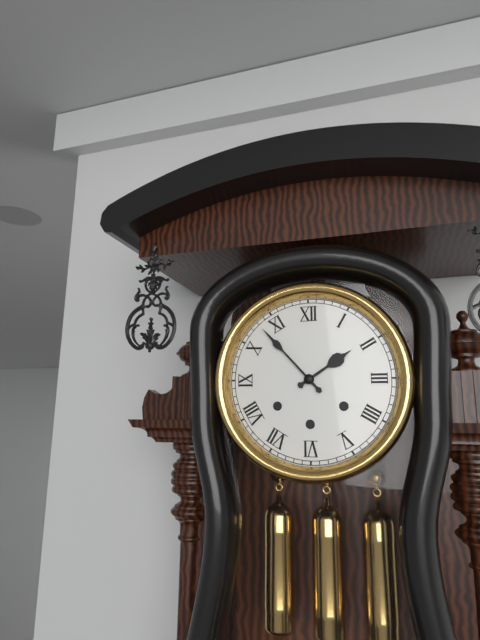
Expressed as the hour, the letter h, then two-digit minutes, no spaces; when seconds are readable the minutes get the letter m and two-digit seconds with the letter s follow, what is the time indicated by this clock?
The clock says 1h53
